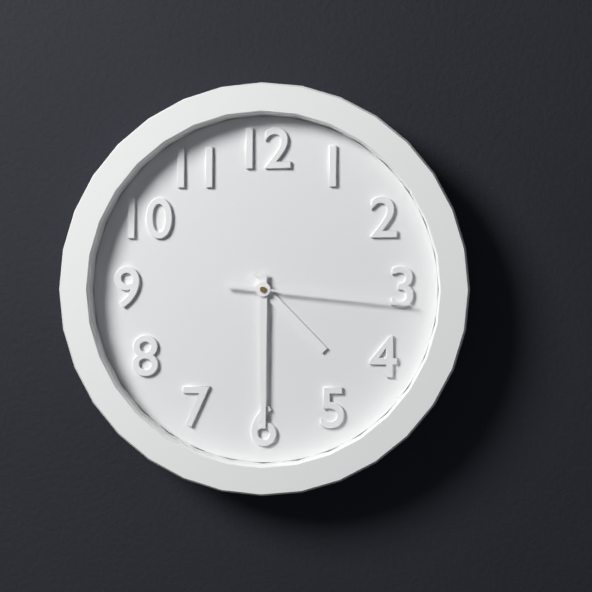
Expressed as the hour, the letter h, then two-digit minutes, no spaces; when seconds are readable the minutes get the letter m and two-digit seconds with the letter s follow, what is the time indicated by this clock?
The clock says 4h30m16s
